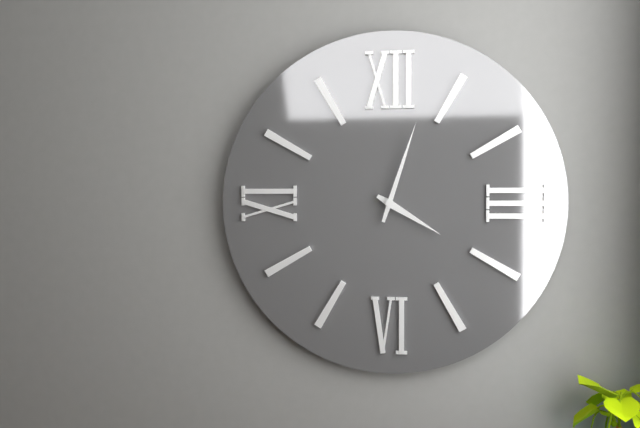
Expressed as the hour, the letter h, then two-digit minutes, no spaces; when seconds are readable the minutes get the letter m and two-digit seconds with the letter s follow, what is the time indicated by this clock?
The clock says 4h03
